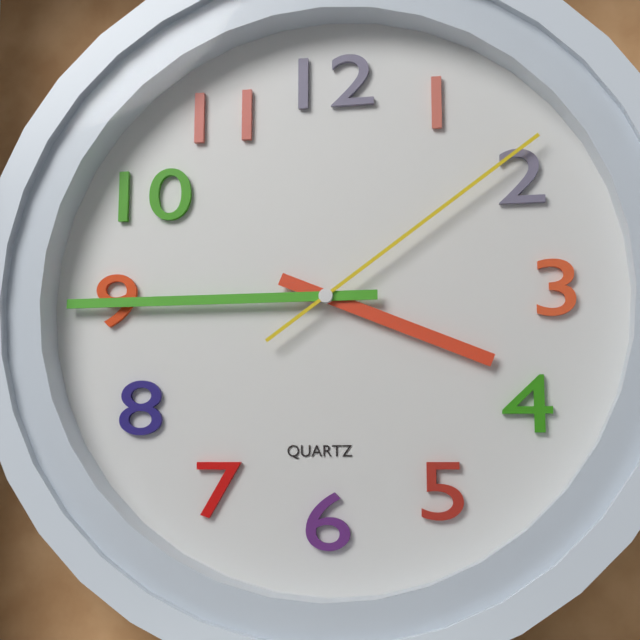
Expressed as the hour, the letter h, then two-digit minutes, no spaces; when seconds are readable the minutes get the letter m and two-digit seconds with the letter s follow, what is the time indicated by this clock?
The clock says 3h45m09s
